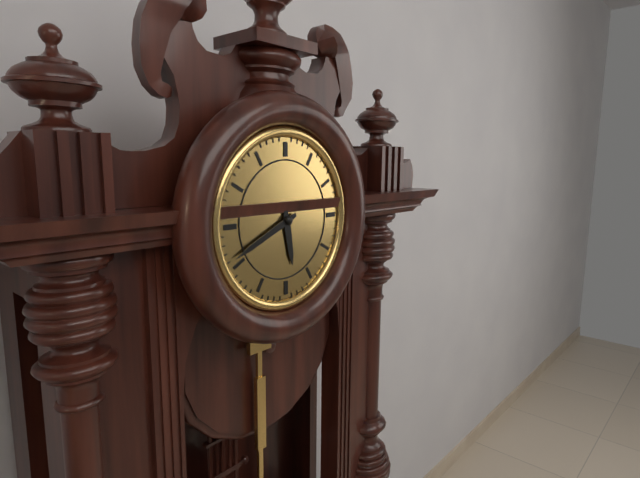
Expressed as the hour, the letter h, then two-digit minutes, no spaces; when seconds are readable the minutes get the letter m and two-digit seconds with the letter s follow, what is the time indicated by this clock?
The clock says 5h41
